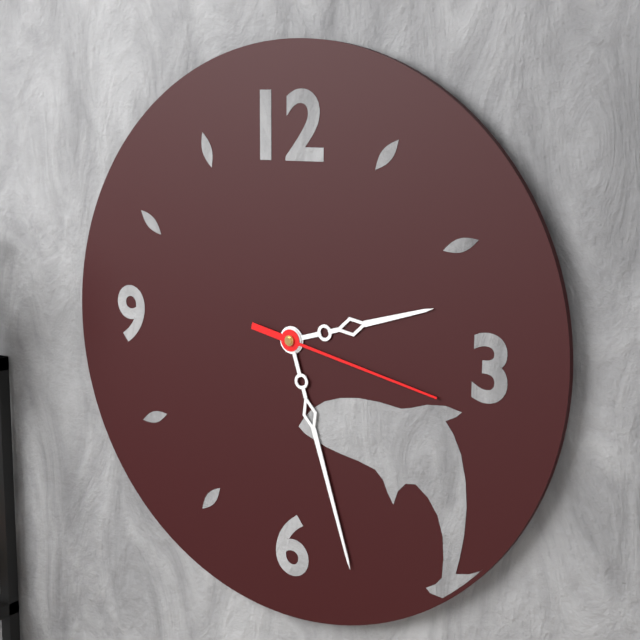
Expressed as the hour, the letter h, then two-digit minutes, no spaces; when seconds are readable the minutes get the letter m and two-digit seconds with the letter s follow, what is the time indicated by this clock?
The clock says 2h27m17s
